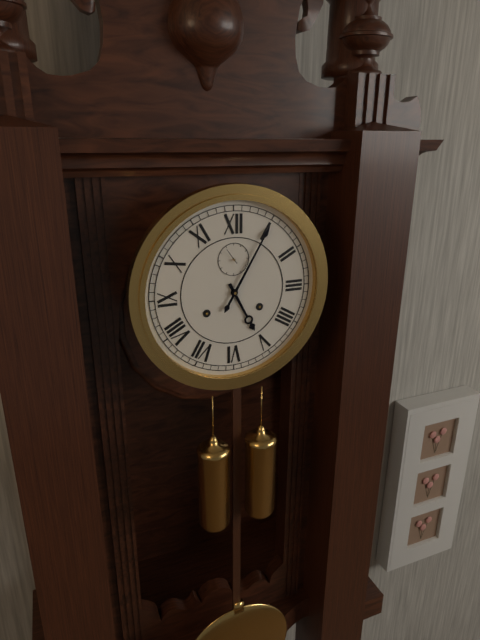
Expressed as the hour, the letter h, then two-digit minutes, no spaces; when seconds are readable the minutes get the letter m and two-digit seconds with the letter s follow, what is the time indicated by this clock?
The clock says 5h05
